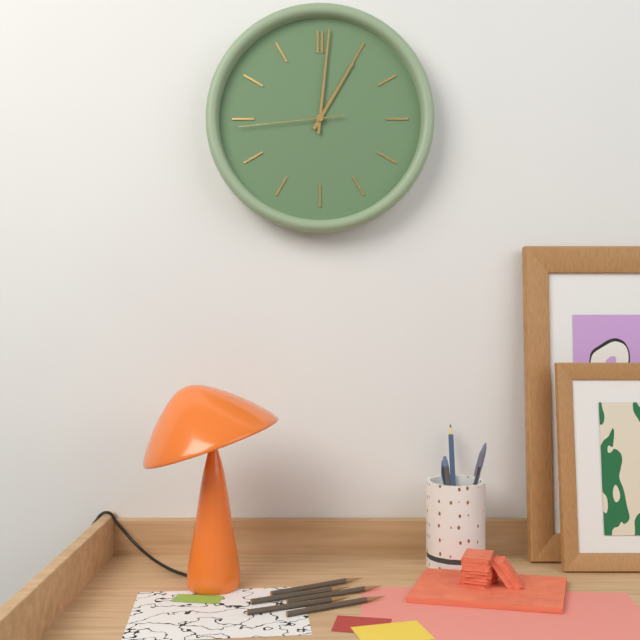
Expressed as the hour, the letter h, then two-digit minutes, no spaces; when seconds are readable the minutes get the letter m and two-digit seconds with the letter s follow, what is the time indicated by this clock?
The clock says 1h01m44s
